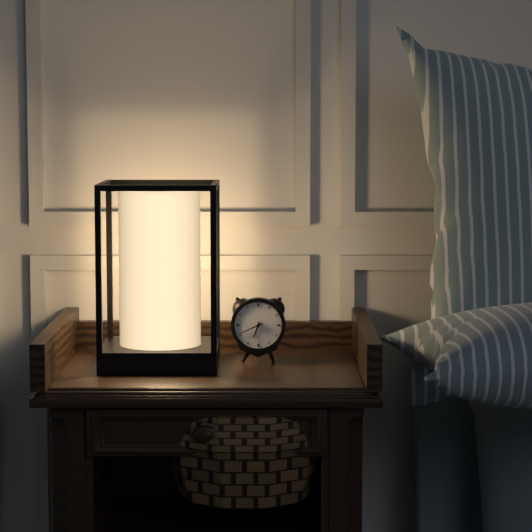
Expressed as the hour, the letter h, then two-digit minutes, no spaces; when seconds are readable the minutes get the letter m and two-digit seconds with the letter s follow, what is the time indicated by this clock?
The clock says 6h41
